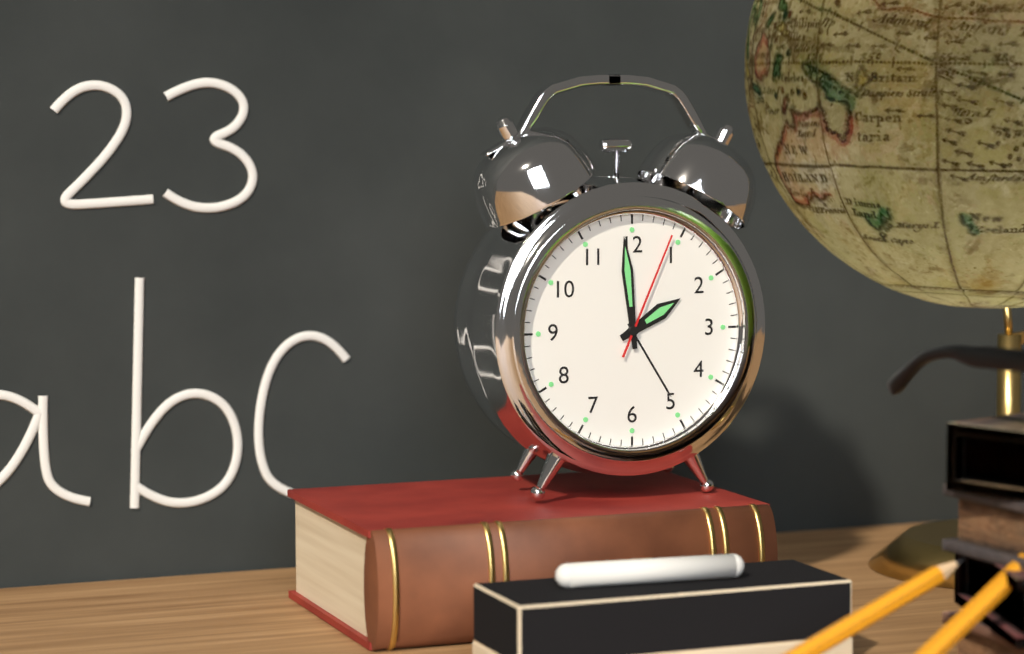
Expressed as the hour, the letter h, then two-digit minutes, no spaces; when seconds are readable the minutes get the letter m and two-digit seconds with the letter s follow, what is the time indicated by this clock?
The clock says 1h59m04s
